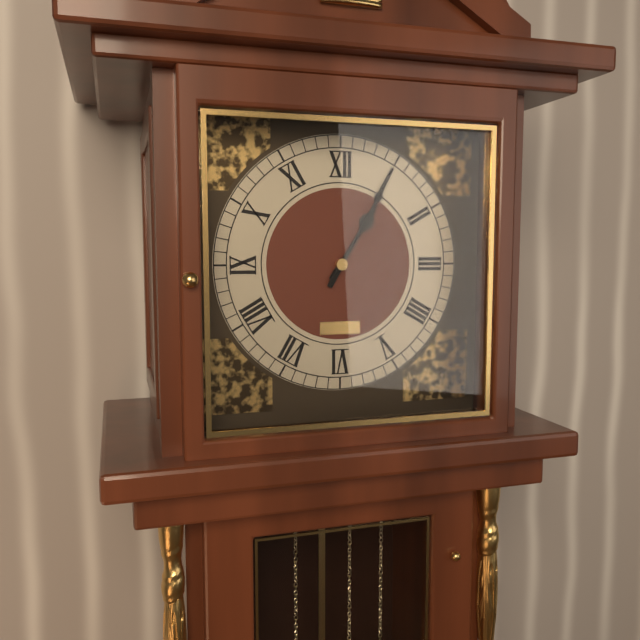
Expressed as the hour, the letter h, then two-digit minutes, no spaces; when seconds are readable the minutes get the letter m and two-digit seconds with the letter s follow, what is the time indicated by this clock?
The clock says 1h05
